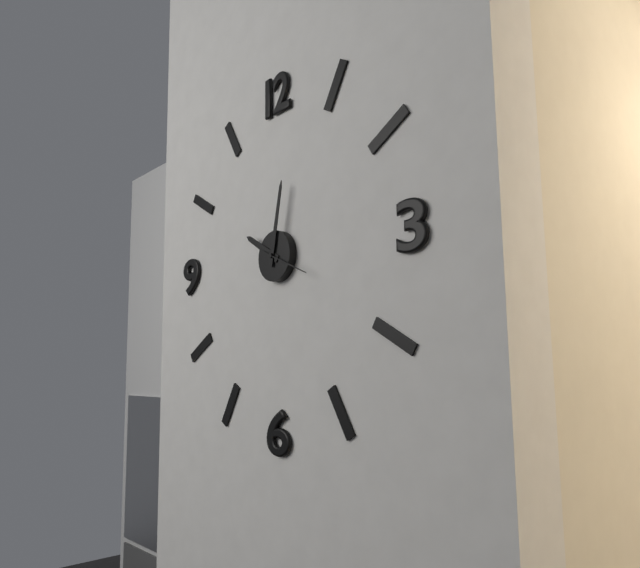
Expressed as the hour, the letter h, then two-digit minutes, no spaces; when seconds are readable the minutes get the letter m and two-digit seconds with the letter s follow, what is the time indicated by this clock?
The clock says 10h02
